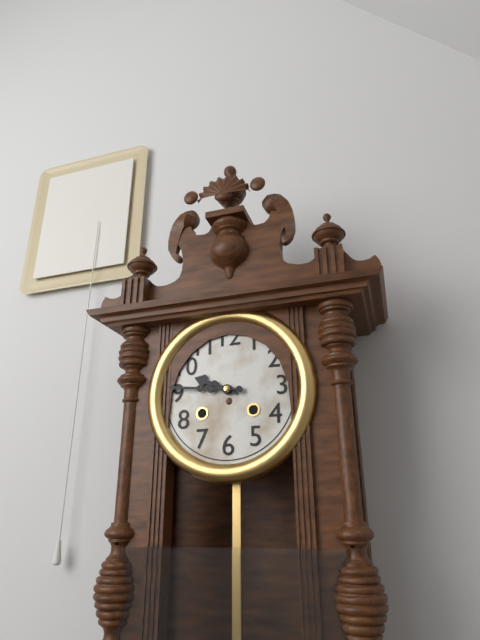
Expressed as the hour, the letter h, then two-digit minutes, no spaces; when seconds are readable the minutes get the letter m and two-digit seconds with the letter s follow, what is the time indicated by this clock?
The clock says 9h46
